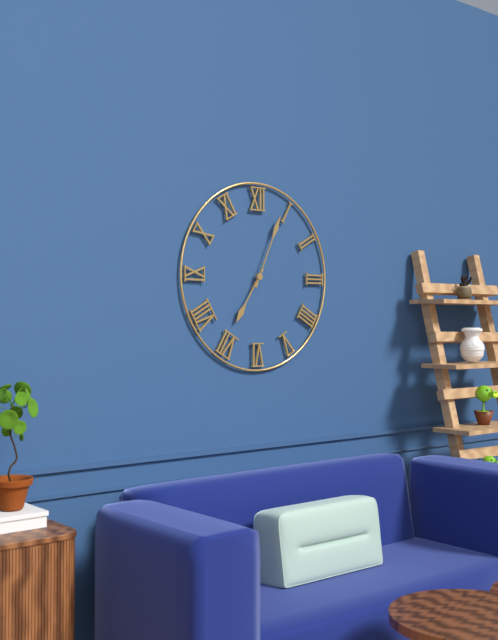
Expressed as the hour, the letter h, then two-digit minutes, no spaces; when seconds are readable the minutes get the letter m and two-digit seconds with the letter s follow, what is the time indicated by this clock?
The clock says 7h04
